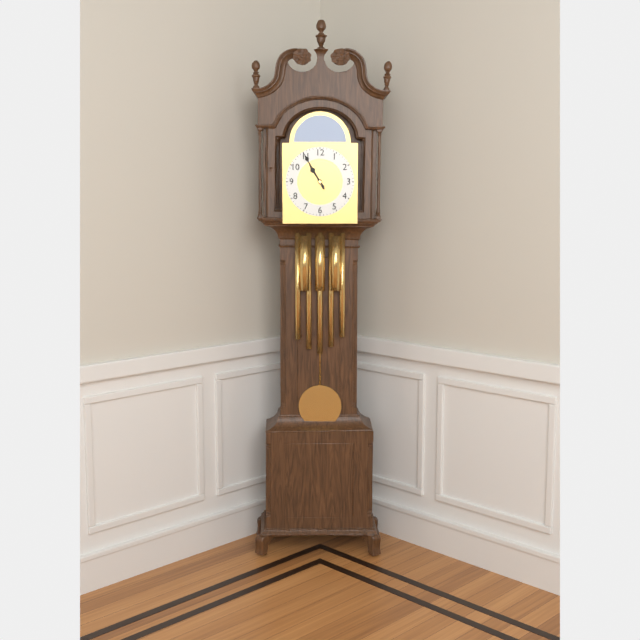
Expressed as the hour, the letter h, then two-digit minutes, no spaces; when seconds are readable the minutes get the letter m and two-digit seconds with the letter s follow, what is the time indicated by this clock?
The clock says 10h55
